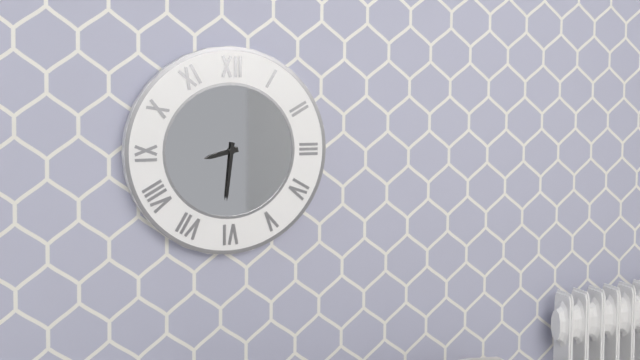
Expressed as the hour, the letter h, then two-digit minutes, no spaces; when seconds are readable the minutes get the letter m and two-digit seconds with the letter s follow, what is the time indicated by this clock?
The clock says 8h31
